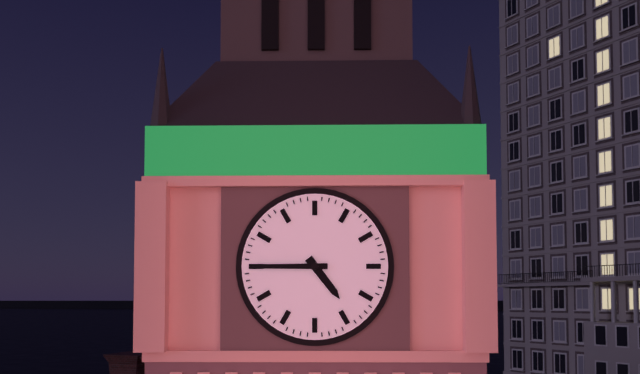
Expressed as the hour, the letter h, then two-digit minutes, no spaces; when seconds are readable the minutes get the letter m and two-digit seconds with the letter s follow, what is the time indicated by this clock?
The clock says 4h45
